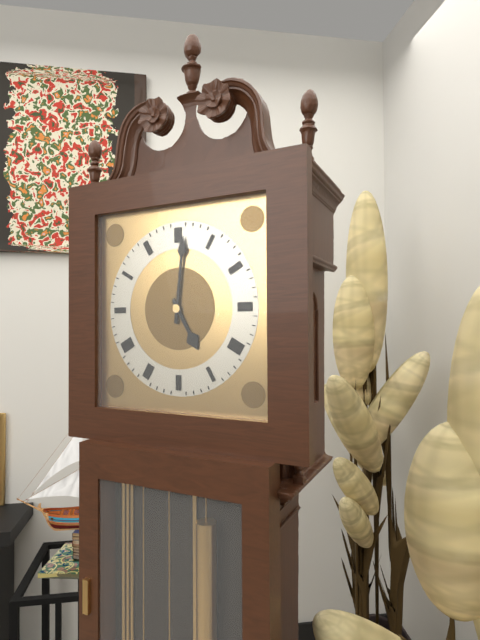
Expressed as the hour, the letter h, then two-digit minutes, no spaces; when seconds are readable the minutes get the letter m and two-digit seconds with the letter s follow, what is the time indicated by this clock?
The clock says 5h01
